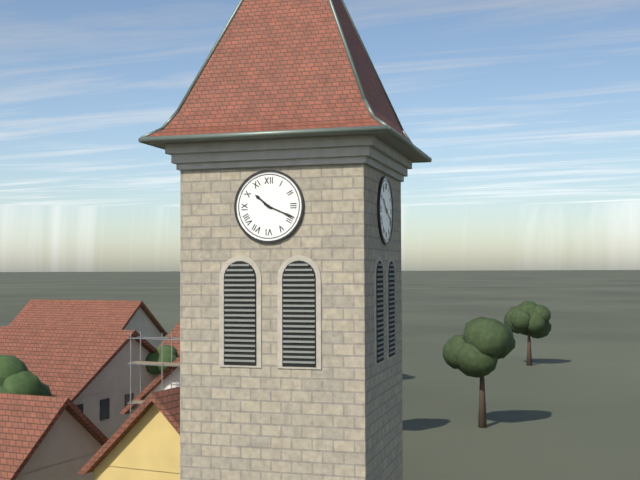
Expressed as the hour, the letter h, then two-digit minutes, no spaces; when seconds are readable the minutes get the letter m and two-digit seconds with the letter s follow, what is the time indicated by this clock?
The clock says 10h19
